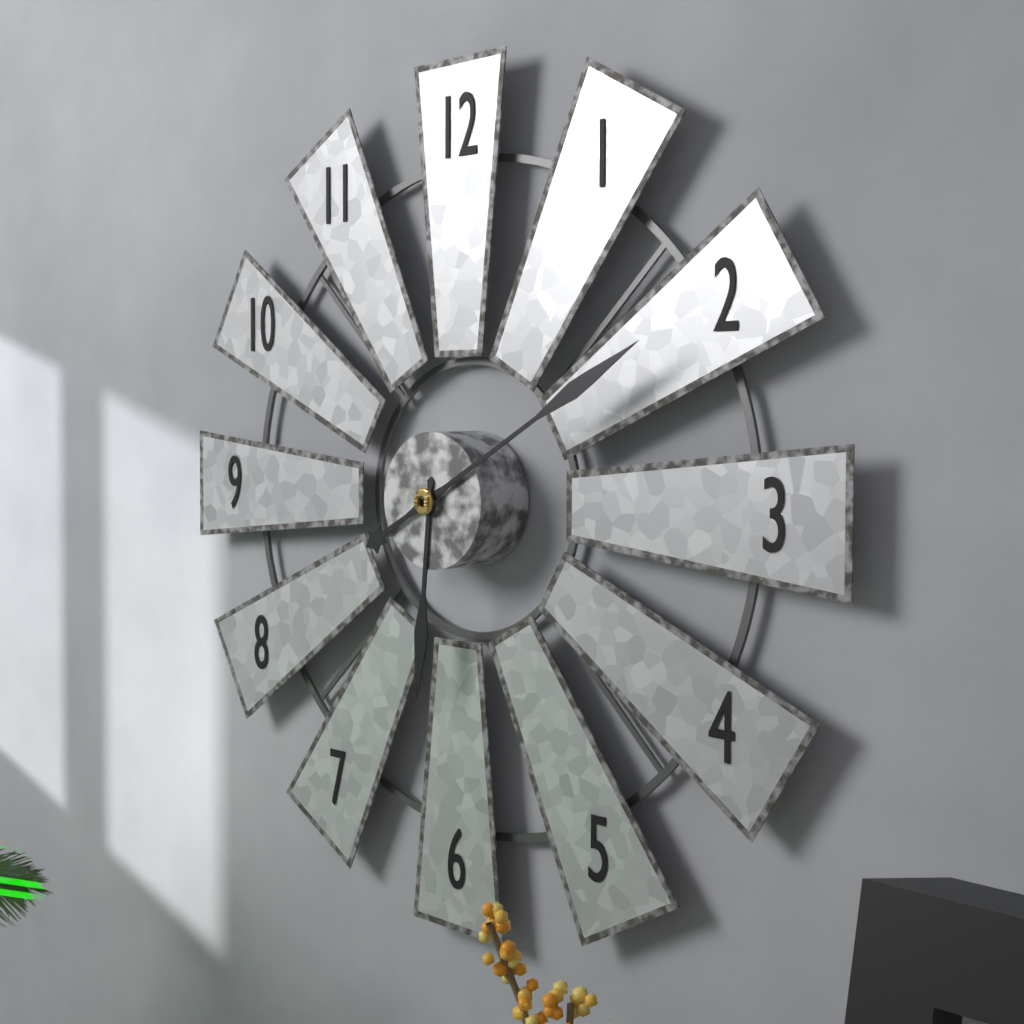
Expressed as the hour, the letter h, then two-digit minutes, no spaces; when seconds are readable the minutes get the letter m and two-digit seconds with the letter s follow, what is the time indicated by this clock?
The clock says 6h10
